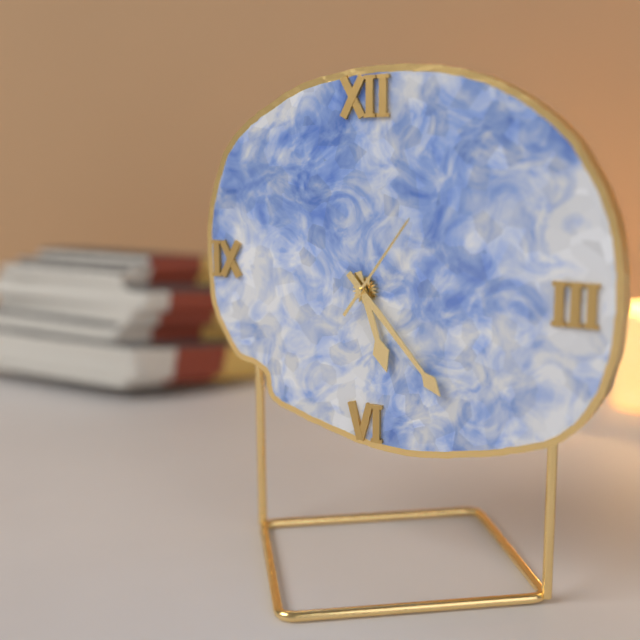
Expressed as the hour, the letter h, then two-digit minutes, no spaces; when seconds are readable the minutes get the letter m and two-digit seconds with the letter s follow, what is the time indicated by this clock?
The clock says 5h23m06s
